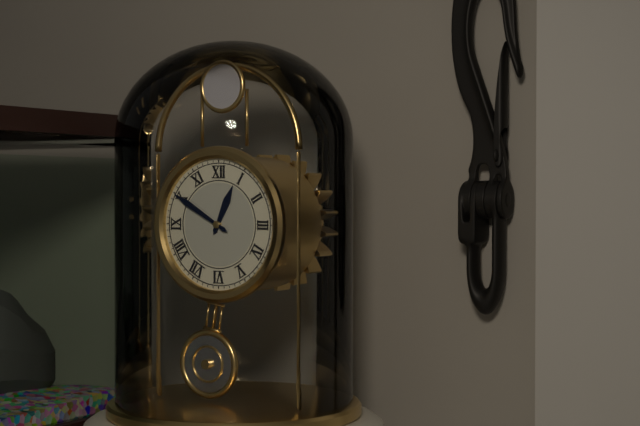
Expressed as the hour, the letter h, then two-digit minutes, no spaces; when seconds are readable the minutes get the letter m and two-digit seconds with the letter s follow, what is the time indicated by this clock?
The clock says 12h50
